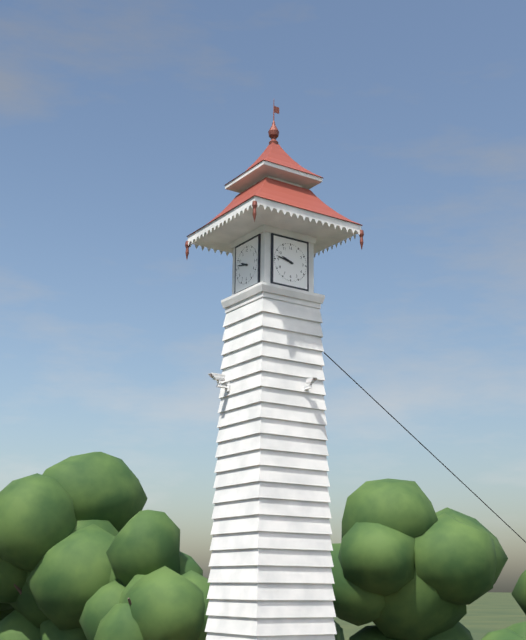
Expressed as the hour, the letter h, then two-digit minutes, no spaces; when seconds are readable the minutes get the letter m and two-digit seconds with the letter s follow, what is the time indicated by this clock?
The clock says 9h47
